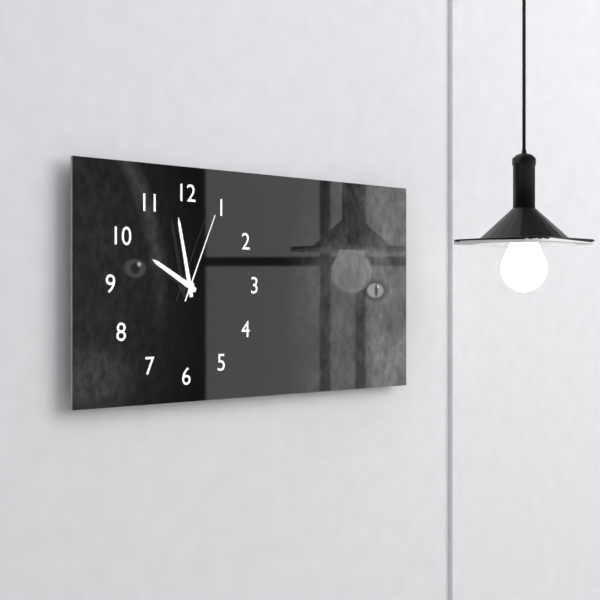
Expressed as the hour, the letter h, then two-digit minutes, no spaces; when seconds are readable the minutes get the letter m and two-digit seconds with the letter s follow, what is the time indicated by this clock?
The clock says 9h58m04s
